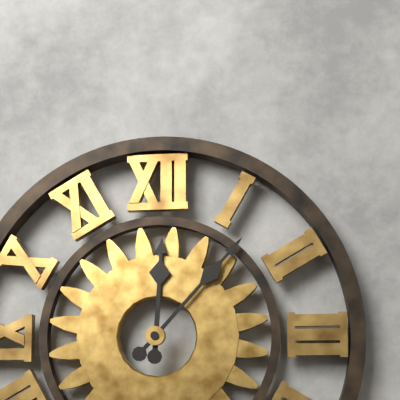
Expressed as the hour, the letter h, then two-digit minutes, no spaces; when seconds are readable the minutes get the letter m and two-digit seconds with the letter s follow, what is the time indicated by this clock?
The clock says 12h07
